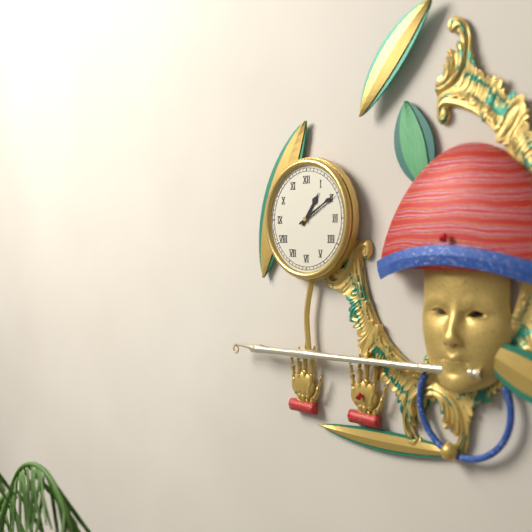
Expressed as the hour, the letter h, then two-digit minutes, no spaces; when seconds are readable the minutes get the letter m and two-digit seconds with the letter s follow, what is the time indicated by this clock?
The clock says 1h10
